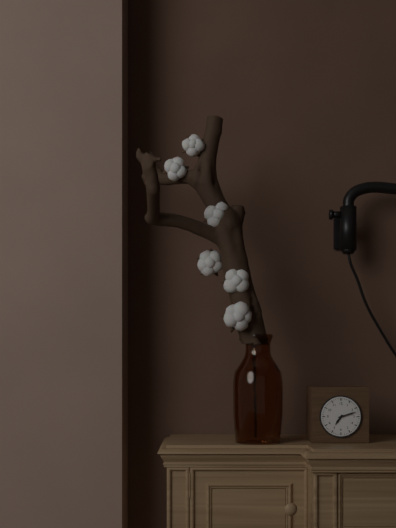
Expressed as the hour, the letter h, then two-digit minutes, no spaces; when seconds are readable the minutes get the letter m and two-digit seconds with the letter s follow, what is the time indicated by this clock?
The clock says 7h12
